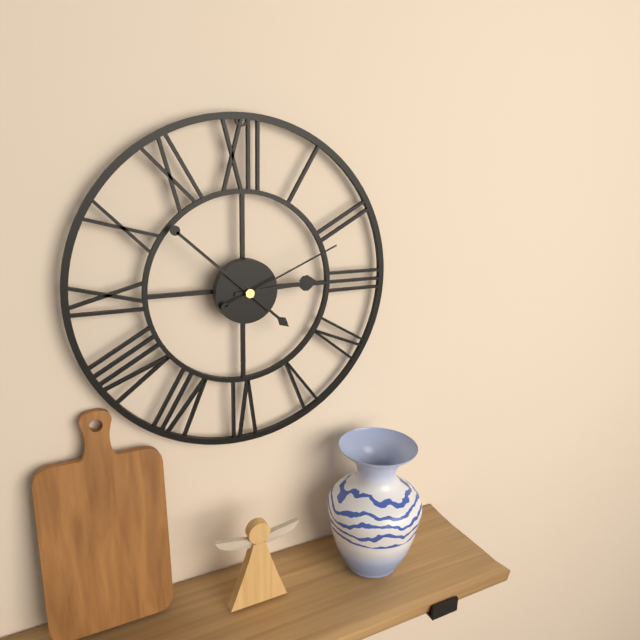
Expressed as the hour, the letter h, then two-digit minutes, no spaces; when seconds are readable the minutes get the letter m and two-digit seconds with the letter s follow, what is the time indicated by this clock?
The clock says 2h52m11s
